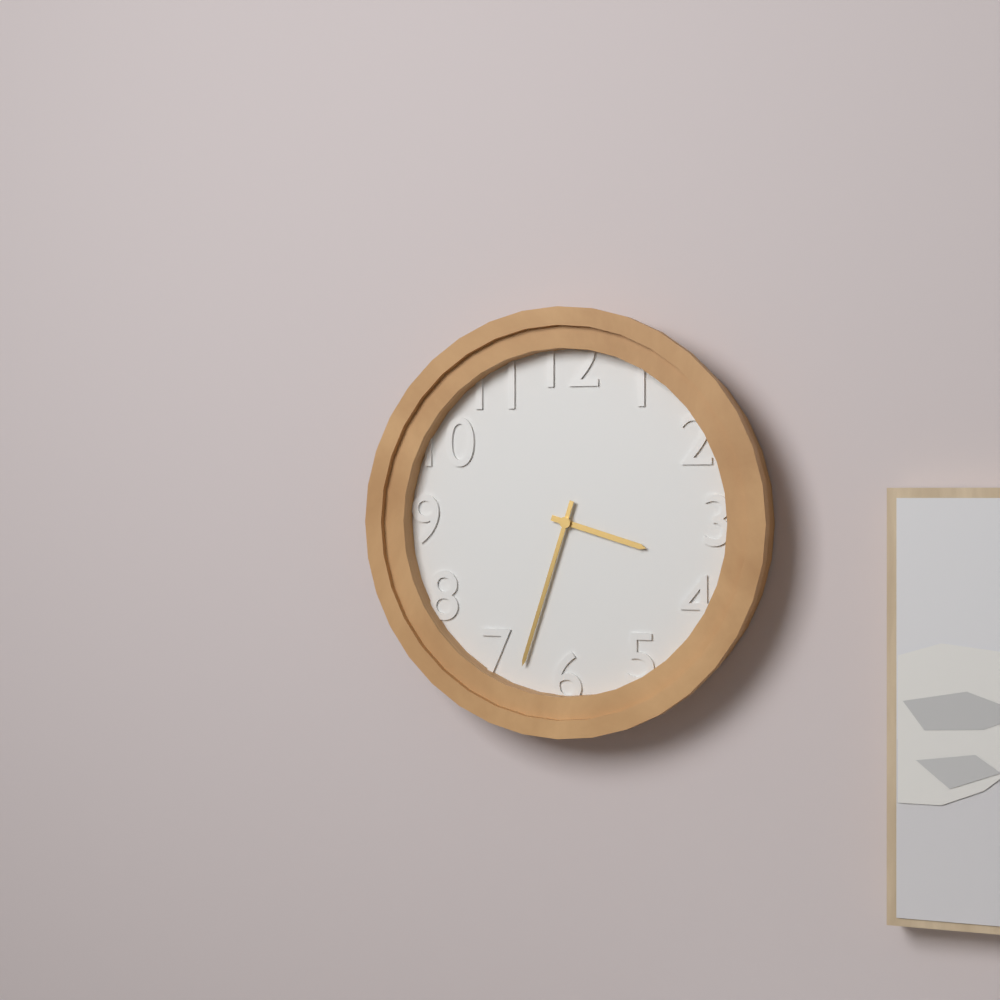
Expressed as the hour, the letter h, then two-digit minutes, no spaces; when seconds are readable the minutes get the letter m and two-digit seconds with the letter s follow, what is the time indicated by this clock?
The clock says 3h33
